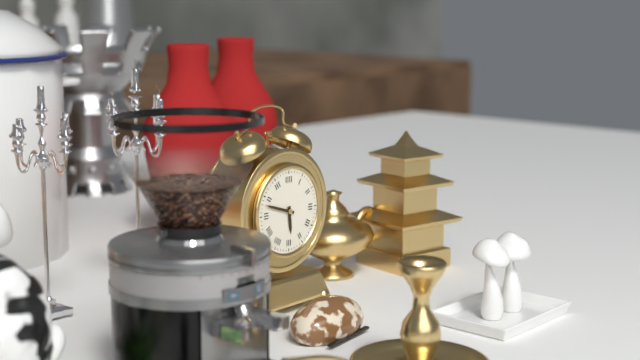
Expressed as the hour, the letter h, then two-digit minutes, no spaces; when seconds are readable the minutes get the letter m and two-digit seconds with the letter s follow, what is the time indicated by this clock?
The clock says 5h48
